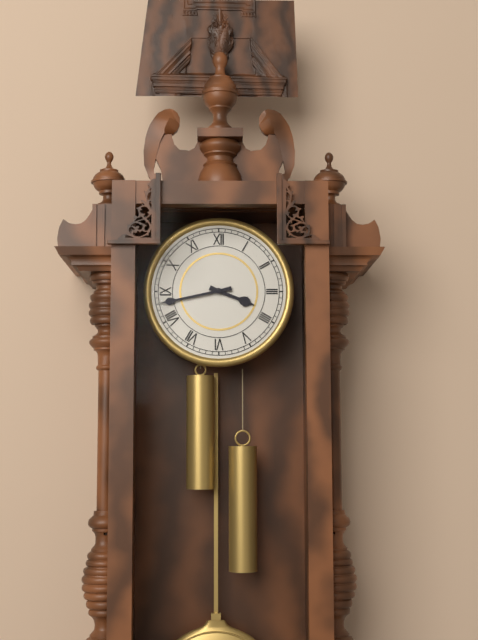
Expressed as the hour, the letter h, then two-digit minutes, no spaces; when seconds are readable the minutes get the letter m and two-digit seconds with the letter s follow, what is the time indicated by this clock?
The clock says 3h43
